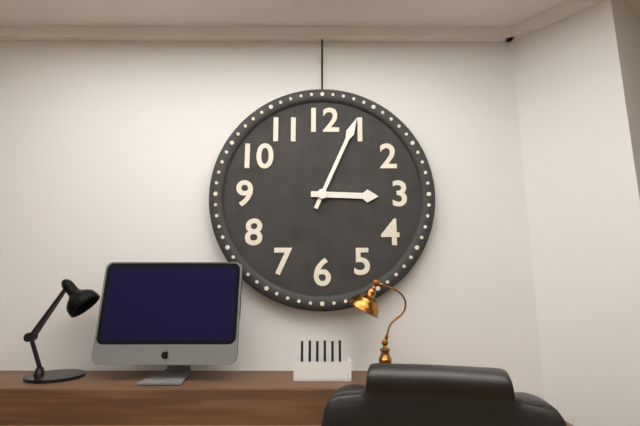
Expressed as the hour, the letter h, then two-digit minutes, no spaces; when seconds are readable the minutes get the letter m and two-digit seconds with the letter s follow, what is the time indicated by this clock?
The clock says 3h04
